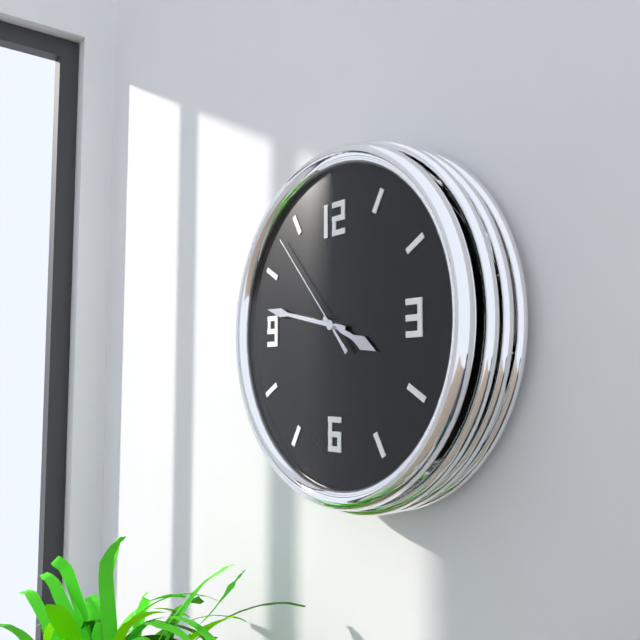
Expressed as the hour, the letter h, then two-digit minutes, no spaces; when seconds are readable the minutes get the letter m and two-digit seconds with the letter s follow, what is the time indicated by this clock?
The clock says 3h47m53s
